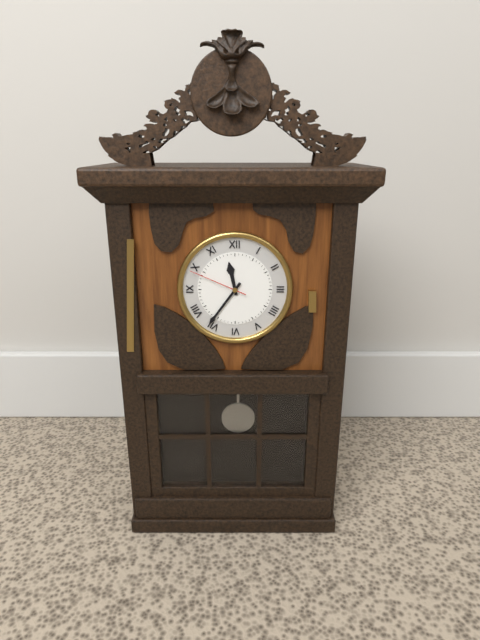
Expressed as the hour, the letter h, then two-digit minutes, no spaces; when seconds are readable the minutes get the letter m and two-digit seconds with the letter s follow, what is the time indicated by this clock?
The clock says 11h36m49s
